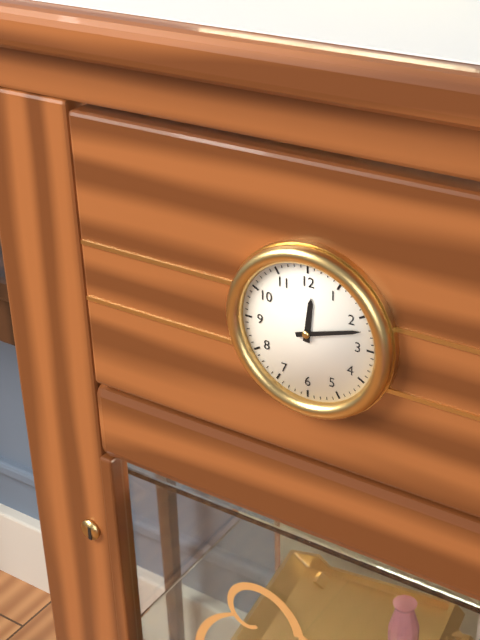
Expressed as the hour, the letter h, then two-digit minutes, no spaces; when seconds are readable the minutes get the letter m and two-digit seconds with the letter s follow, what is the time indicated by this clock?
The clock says 12h12
